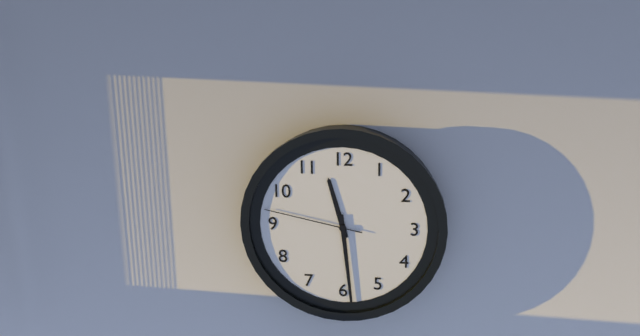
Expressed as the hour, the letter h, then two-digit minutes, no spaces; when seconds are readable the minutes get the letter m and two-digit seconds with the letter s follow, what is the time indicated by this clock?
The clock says 11h29m47s
